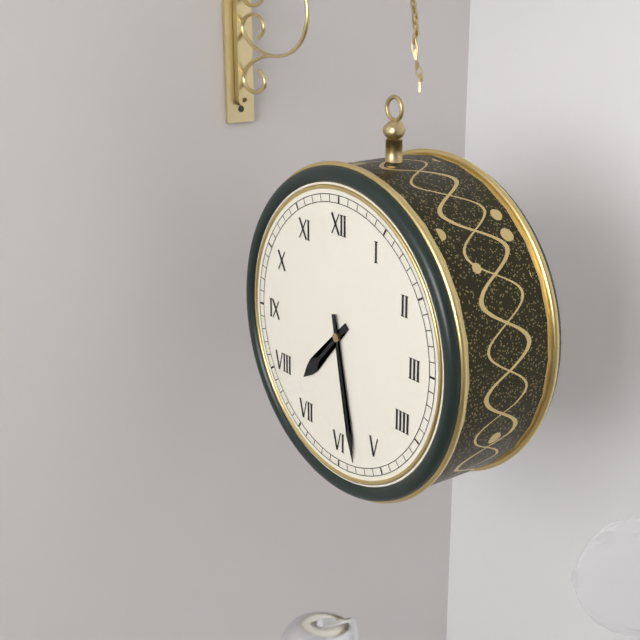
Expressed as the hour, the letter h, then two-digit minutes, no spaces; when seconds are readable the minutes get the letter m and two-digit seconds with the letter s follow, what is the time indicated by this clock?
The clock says 7h28
